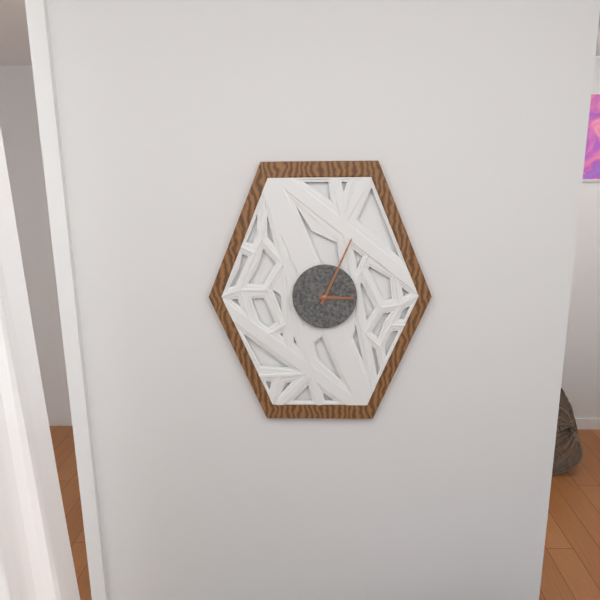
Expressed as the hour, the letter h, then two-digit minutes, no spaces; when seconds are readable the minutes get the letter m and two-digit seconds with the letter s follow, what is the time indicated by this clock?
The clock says 3h04
